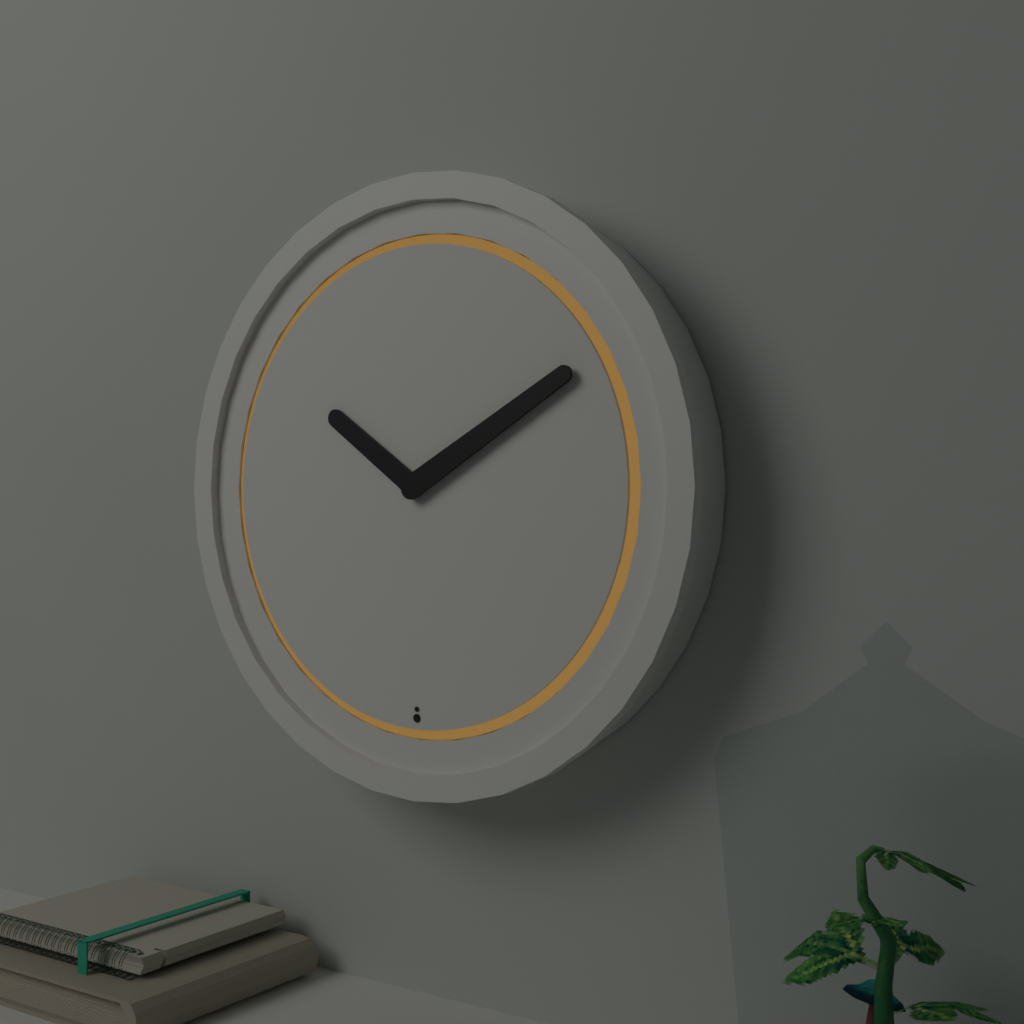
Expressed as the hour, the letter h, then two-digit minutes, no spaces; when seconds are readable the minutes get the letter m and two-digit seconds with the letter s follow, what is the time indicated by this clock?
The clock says 10h10
